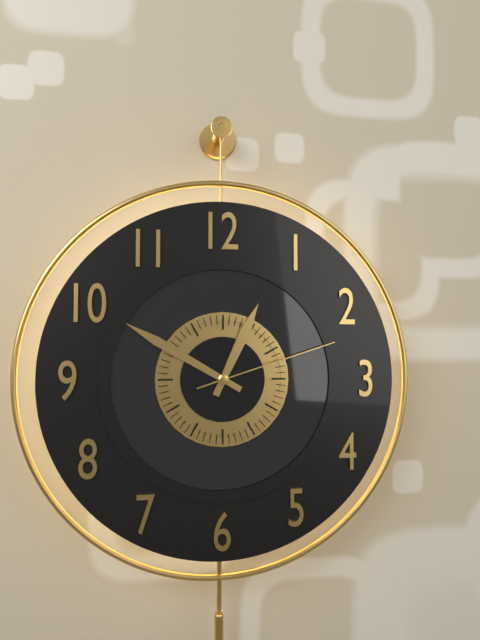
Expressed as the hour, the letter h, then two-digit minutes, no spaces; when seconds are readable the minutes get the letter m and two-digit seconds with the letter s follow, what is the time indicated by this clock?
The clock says 12h50m12s
